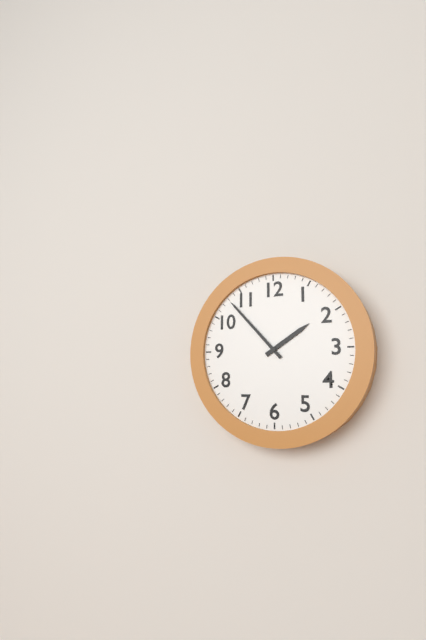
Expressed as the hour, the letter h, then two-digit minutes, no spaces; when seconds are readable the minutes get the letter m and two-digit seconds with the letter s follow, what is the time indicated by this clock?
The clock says 1h53
